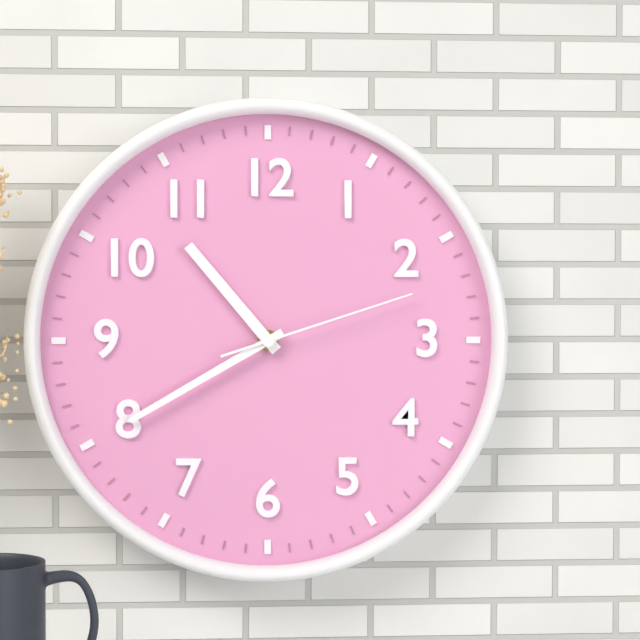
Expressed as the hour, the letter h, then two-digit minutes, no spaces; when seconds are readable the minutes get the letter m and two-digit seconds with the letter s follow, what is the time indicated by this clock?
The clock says 10h40m12s
